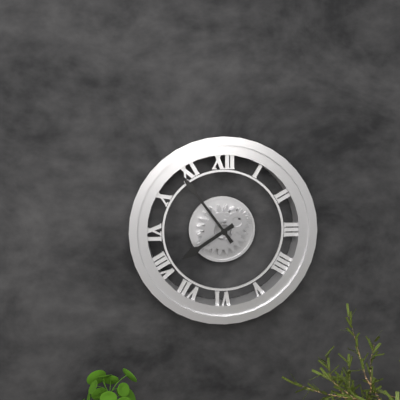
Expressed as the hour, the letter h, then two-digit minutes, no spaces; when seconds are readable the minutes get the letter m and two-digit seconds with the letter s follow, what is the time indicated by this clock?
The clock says 7h54
